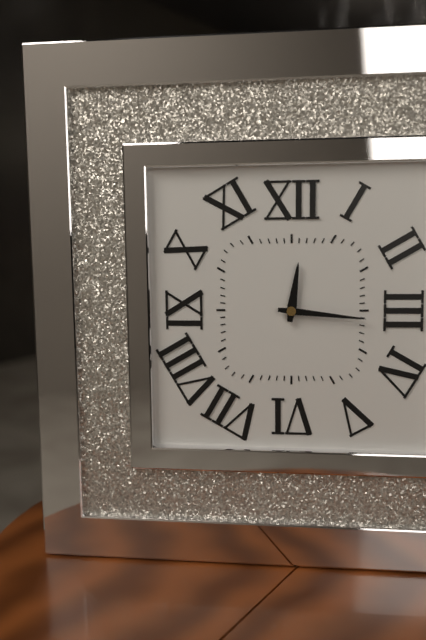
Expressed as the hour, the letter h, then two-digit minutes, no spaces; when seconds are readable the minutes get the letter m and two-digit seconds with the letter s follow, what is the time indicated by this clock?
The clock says 12h16
